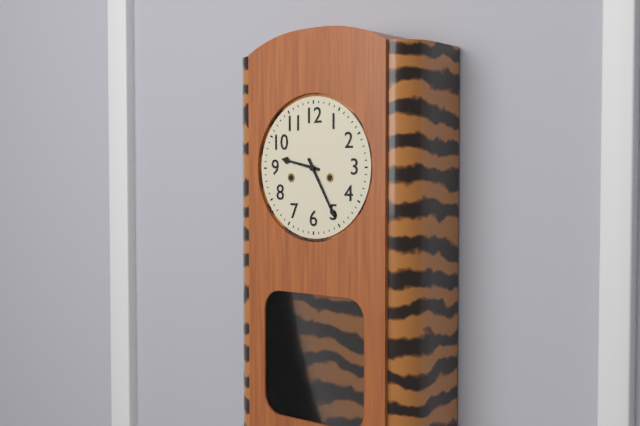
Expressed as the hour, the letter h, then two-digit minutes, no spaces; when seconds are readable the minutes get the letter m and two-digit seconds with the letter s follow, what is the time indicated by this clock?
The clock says 9h25
